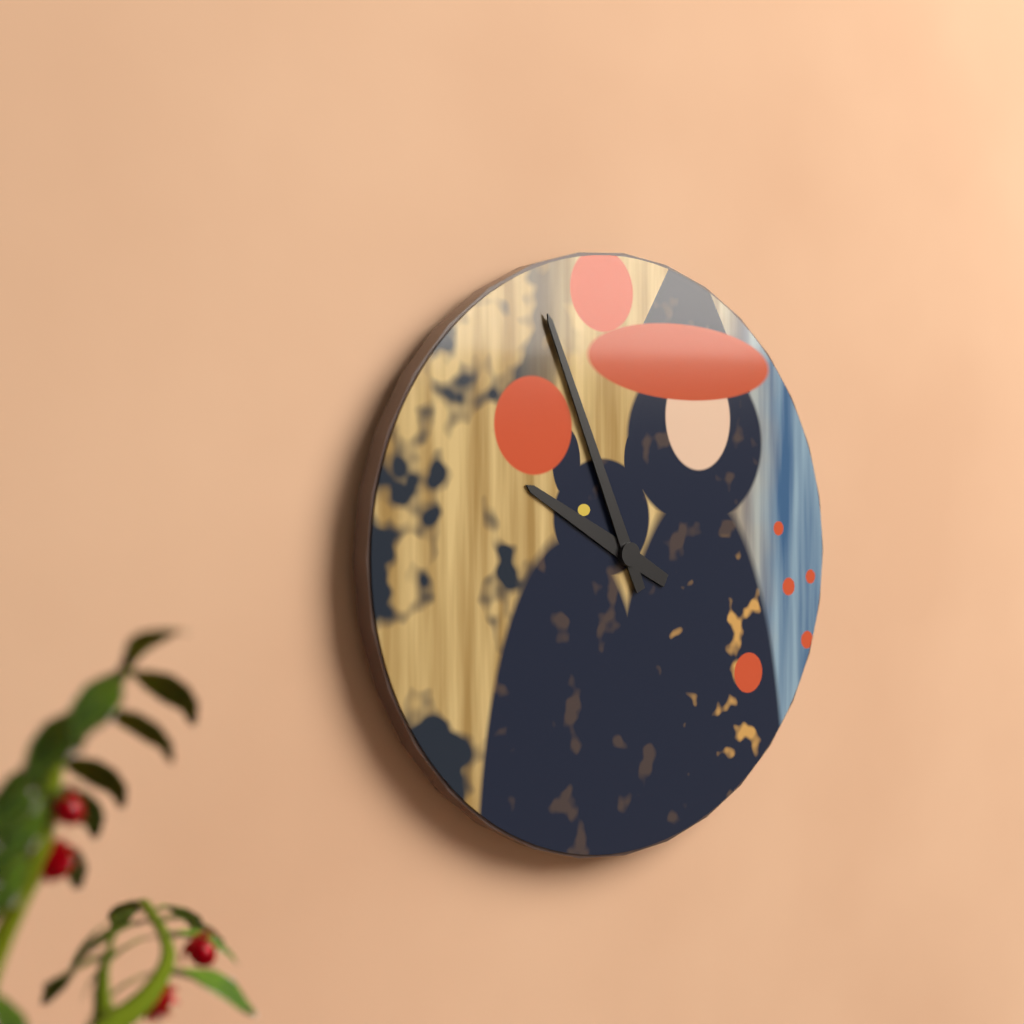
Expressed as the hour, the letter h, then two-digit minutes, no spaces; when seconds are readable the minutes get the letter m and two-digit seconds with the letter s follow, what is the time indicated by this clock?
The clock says 9h56
